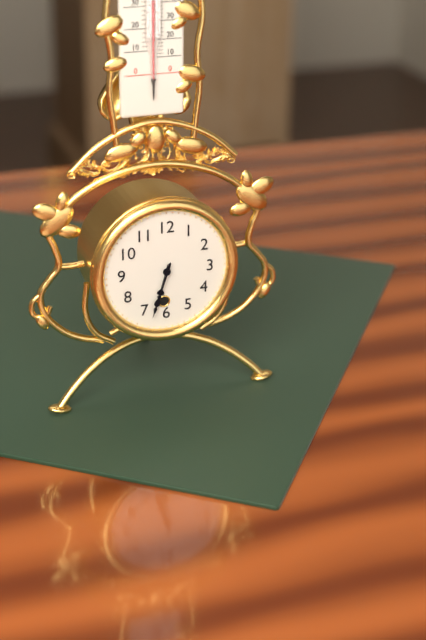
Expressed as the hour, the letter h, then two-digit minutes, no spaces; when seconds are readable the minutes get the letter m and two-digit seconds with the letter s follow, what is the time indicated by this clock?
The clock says 6h33
